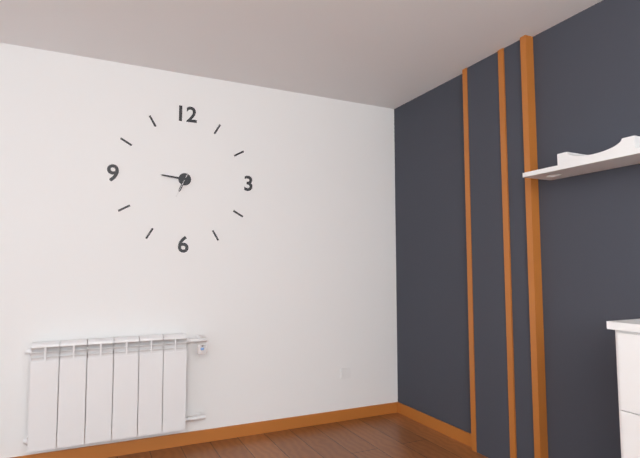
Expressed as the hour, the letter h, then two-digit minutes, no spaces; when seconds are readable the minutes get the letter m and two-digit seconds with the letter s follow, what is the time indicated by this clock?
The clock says 6h46
